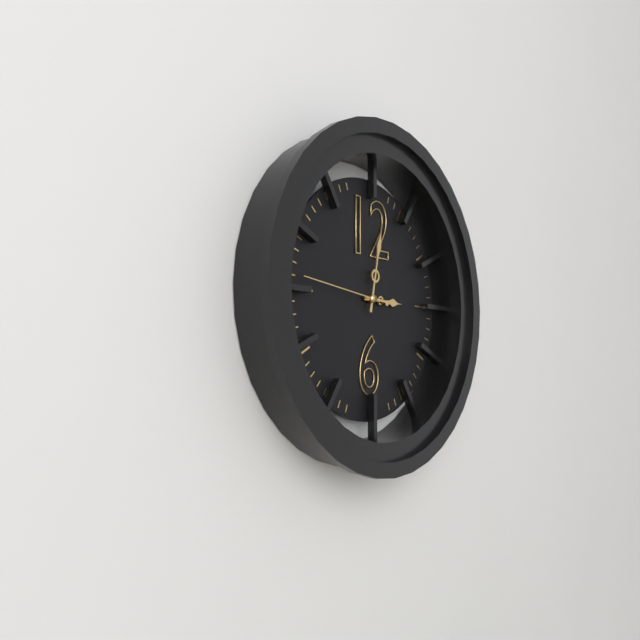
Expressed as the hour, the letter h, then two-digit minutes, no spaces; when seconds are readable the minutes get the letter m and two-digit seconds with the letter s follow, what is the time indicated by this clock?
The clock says 3h02m46s
